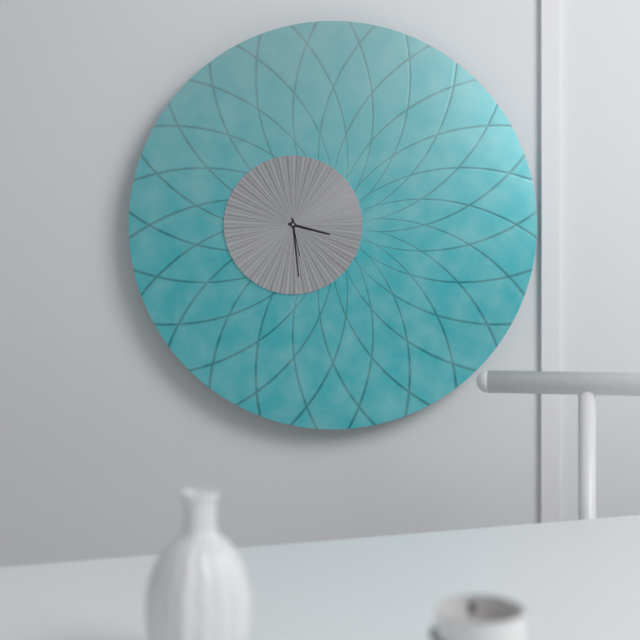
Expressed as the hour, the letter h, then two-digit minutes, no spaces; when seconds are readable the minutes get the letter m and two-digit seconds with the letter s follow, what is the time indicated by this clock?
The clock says 3h29
